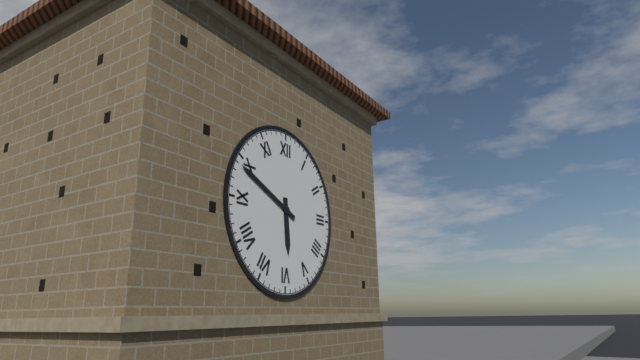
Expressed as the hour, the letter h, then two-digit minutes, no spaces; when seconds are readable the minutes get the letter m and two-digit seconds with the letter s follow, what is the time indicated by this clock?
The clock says 5h49
